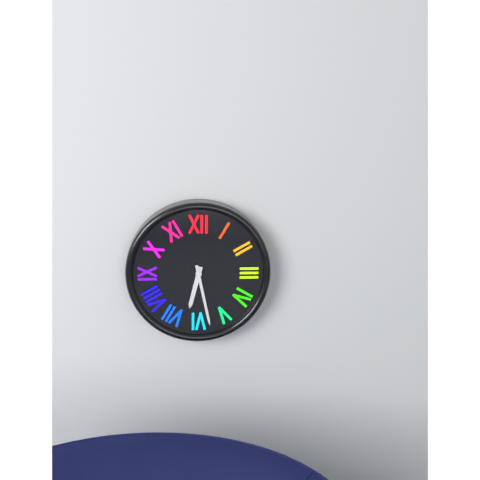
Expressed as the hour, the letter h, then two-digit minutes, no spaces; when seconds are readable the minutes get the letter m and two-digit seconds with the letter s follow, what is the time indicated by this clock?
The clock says 6h28
